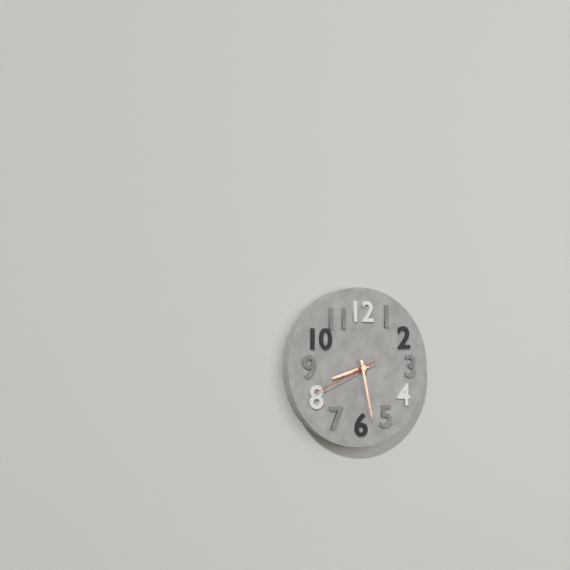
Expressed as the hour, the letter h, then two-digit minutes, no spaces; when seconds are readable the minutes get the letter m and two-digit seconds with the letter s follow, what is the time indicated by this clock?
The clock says 8h28m41s
